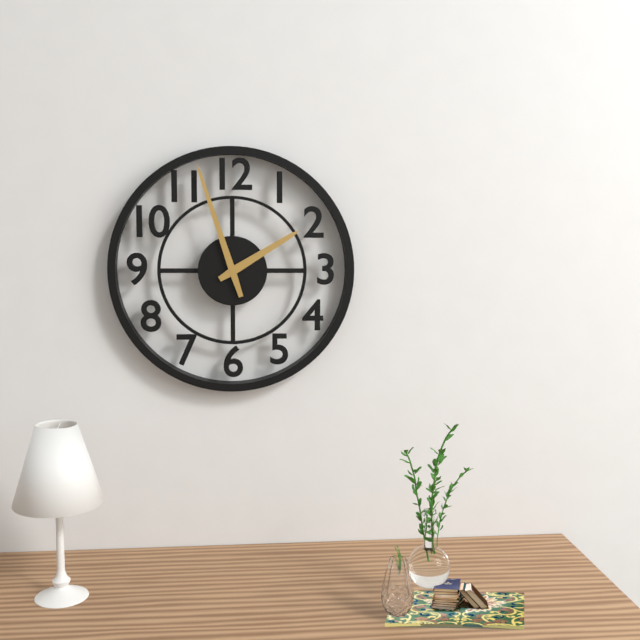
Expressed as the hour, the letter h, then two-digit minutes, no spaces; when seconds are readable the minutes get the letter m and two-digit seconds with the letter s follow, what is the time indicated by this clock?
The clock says 1h57
